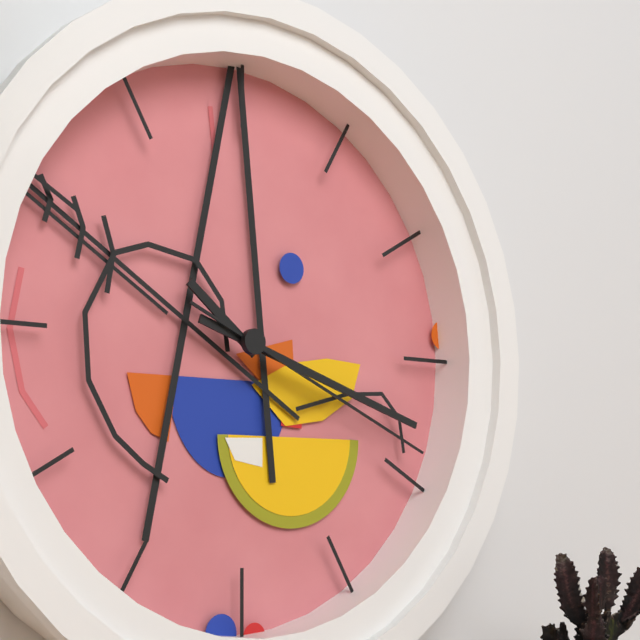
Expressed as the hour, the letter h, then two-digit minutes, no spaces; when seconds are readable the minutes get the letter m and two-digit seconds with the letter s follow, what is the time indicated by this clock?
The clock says 10h18m19s
